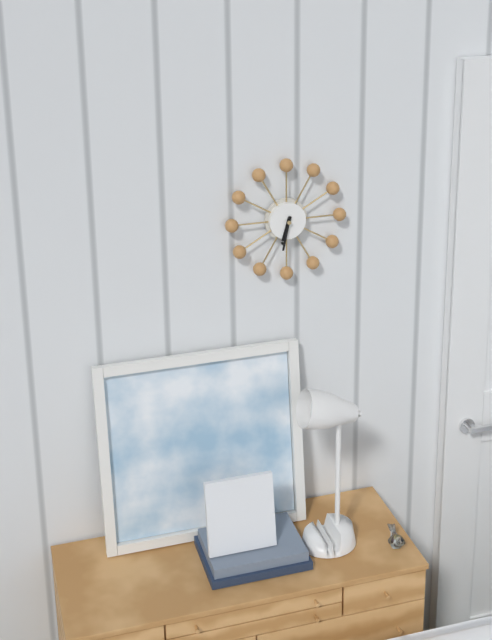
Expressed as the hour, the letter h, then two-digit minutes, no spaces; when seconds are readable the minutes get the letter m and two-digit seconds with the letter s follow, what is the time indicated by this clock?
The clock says 6h32
